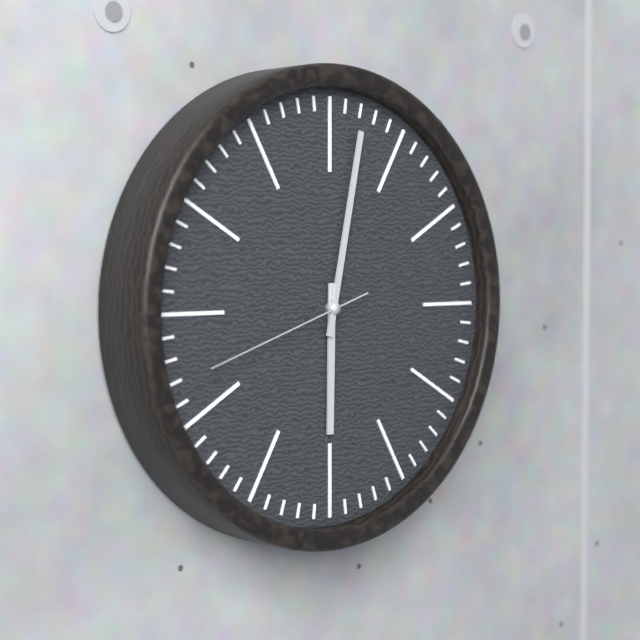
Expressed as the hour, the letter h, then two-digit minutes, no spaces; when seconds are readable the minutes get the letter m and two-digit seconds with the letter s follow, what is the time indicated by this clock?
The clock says 6h02m42s
